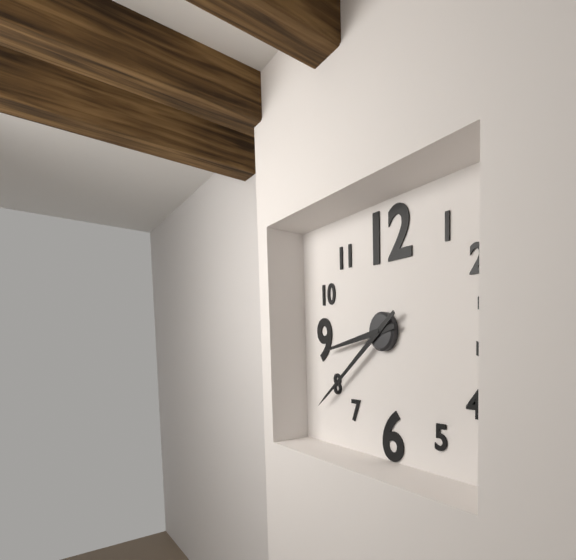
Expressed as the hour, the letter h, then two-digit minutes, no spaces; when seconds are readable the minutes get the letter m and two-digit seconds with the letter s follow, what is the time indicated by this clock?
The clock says 8h39
